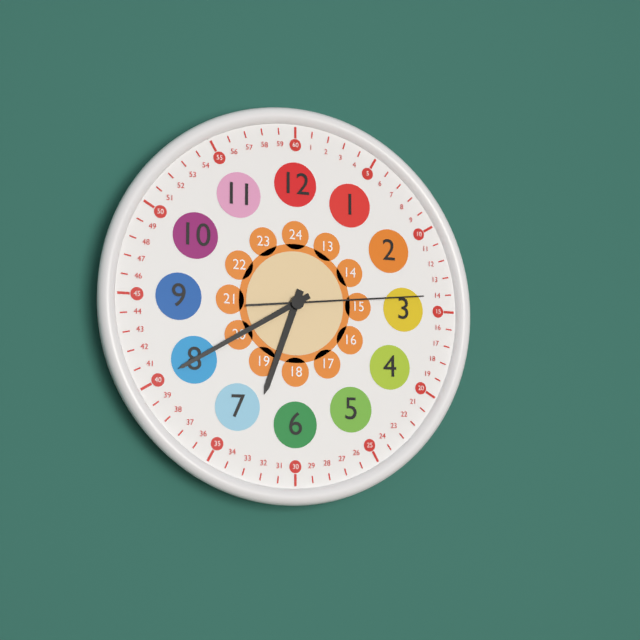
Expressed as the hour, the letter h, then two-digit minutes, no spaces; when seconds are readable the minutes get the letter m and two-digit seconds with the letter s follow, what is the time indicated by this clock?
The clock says 6h40m14s
